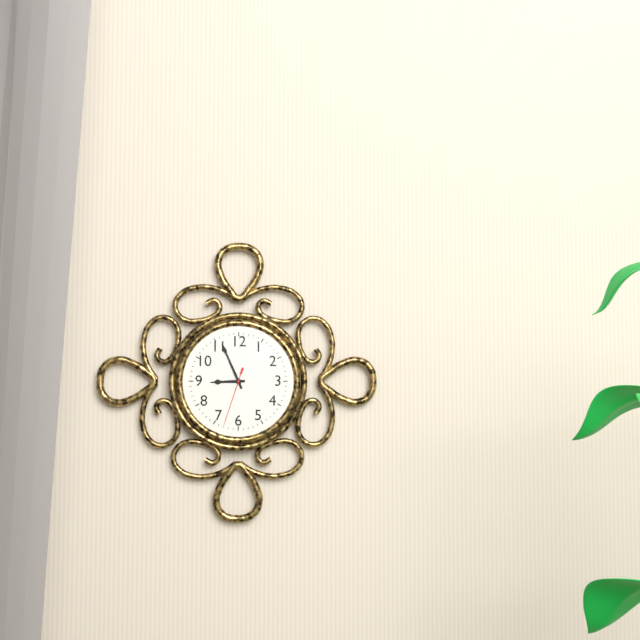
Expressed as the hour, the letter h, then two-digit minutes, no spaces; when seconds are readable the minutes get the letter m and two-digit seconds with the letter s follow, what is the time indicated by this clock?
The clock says 8h56m33s
